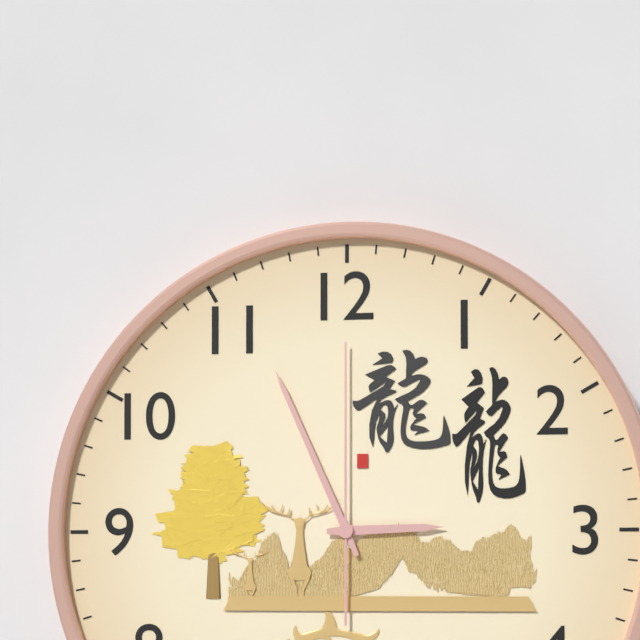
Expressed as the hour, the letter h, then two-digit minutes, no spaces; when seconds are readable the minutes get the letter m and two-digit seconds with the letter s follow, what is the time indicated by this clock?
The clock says 2h56m00s
